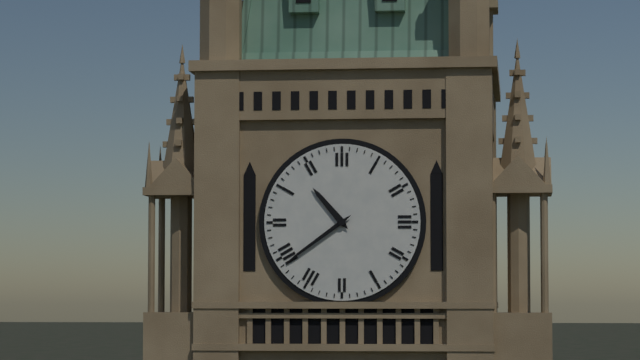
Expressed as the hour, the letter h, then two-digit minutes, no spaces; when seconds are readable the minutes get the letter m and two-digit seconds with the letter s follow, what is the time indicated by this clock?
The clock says 10h39
